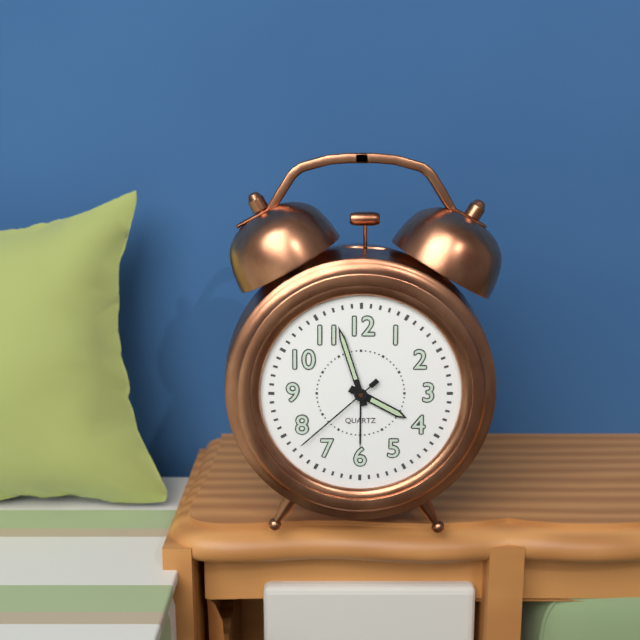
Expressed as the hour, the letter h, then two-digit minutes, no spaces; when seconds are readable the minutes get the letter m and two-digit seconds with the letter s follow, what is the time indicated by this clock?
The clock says 3h57m38s
